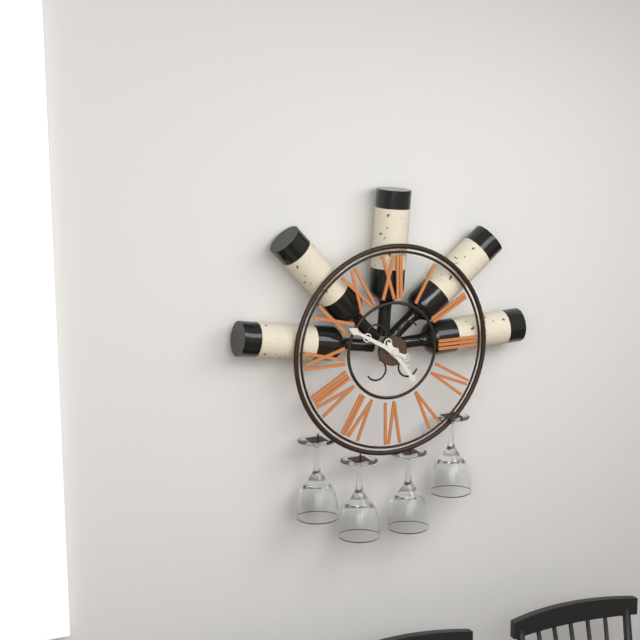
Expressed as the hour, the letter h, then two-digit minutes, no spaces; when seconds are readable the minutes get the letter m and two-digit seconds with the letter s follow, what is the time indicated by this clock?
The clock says 4h50
